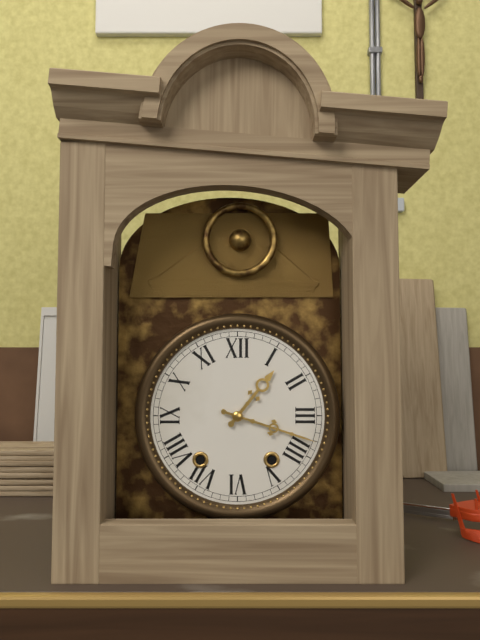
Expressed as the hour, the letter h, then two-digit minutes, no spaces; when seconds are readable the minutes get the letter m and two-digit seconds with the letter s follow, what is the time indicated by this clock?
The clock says 1h18
